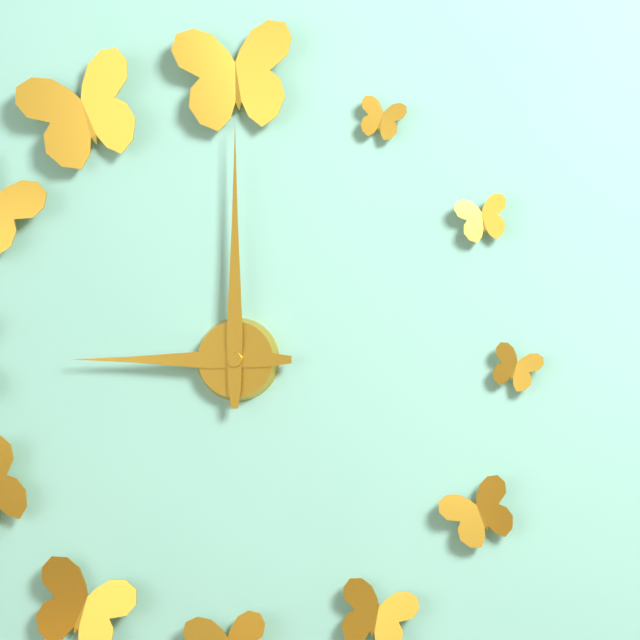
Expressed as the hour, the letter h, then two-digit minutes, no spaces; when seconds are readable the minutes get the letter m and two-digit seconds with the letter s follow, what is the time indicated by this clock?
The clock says 9h00
